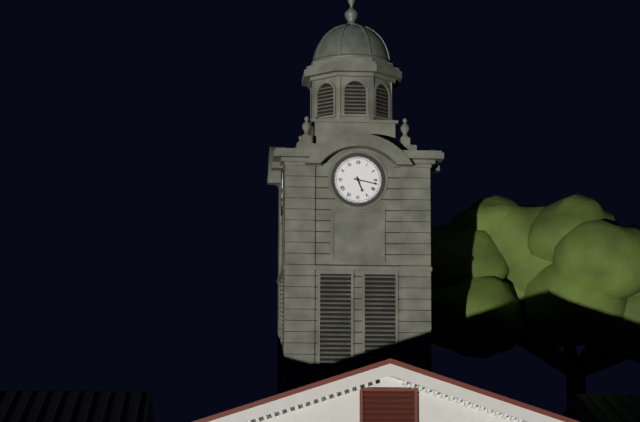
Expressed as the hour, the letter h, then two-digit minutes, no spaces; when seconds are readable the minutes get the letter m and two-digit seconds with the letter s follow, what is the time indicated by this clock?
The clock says 5h17
